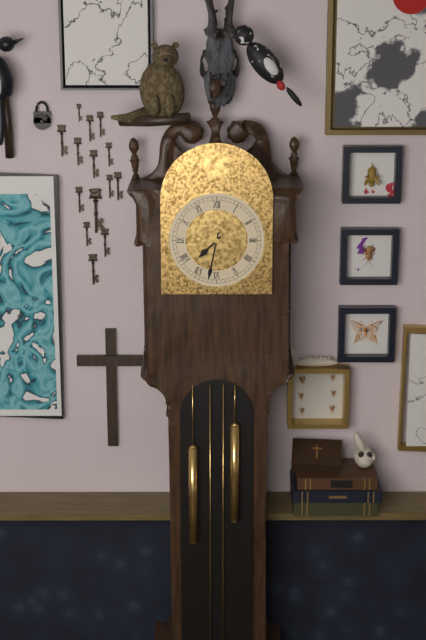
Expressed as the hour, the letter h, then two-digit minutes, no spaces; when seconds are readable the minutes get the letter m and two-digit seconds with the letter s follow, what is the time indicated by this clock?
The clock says 7h32
